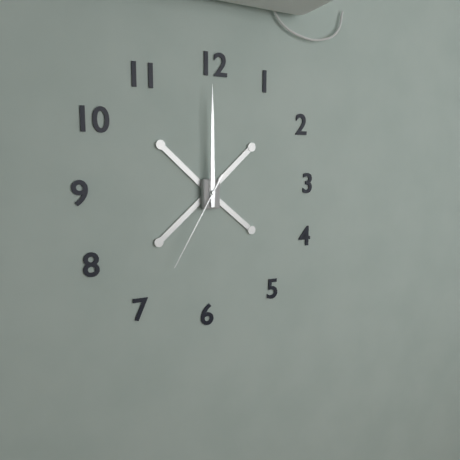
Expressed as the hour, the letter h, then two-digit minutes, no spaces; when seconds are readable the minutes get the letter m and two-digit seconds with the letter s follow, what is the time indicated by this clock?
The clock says 12h00m35s
